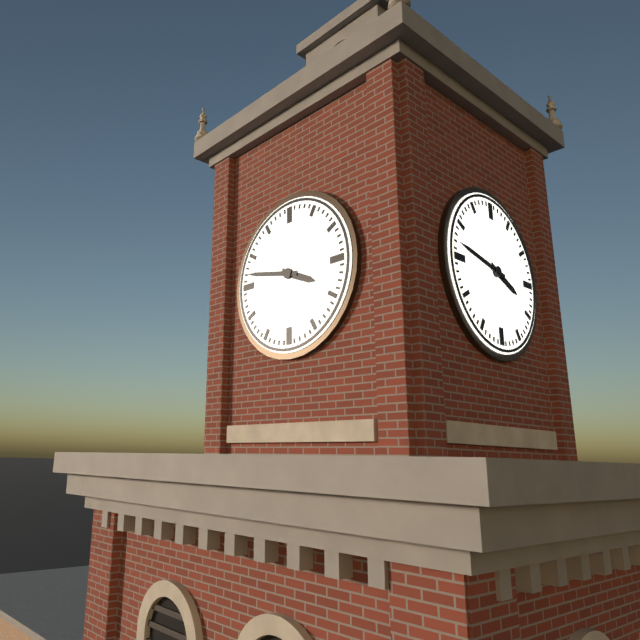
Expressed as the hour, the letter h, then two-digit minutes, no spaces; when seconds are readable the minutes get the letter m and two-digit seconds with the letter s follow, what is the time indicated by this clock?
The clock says 3h47
